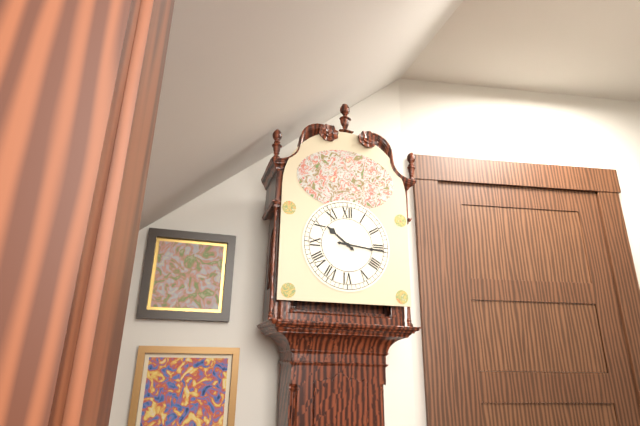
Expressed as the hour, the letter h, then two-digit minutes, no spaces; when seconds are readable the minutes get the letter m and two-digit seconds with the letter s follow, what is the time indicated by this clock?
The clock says 10h16
